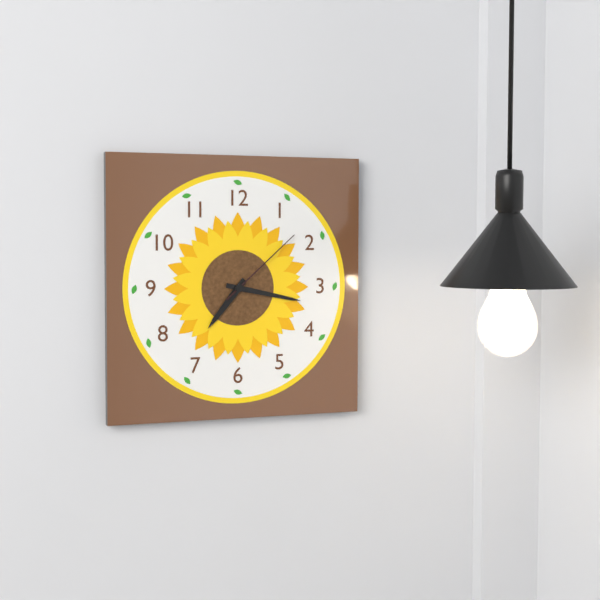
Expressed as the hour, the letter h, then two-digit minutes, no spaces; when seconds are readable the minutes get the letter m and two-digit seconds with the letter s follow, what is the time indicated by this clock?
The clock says 7h17m08s
